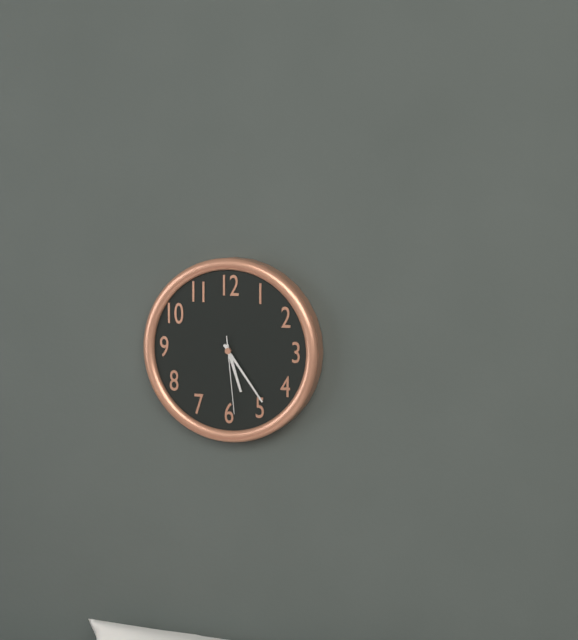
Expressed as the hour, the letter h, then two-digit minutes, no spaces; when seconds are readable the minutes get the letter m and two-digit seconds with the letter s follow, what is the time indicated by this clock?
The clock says 5h24m29s
